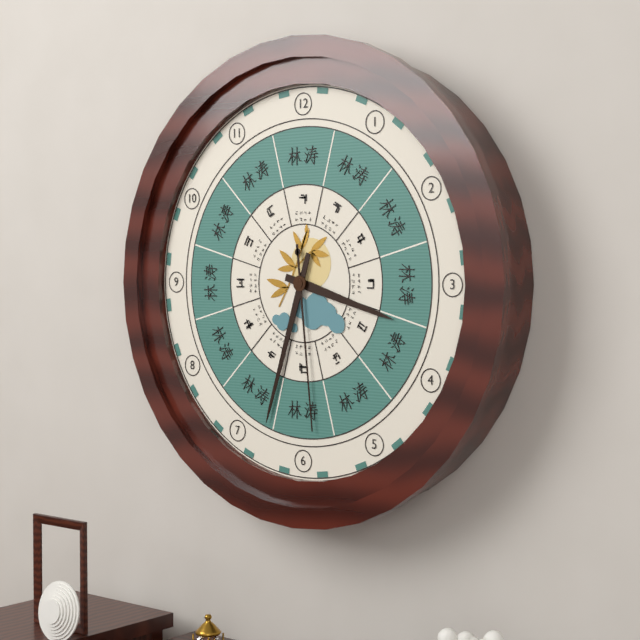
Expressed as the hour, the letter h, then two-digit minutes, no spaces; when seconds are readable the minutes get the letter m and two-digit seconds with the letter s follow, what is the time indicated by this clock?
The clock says 3h33m29s
